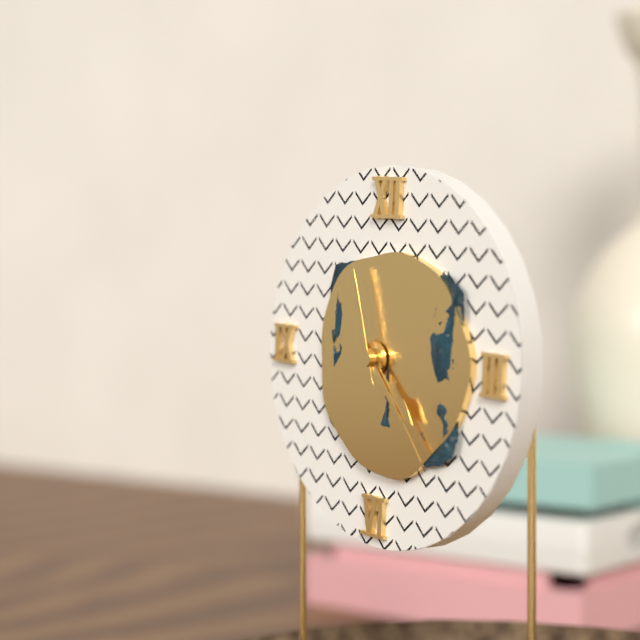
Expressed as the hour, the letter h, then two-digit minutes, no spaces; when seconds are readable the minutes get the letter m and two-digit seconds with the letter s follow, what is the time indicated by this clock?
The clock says 4h23m57s
